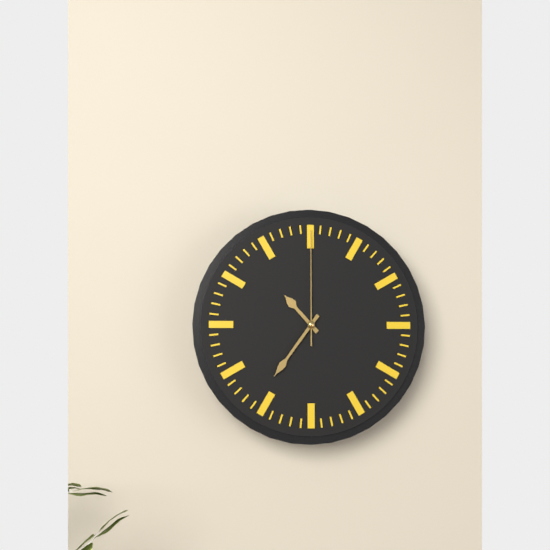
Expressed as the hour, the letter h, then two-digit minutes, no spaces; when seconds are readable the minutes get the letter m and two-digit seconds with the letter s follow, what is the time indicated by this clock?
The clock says 10h36m00s
